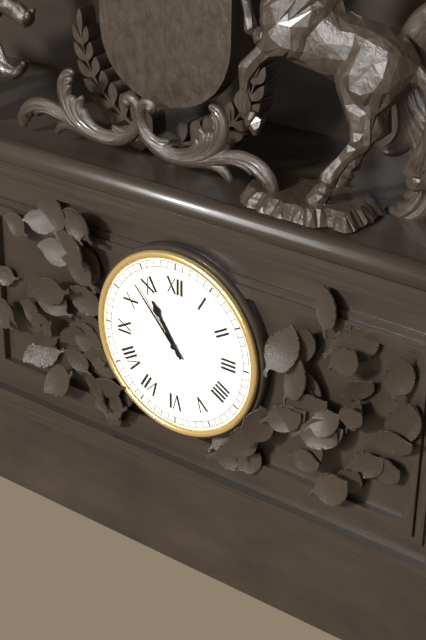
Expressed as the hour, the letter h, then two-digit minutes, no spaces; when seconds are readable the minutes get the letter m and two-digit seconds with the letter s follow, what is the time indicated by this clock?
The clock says 10h53
